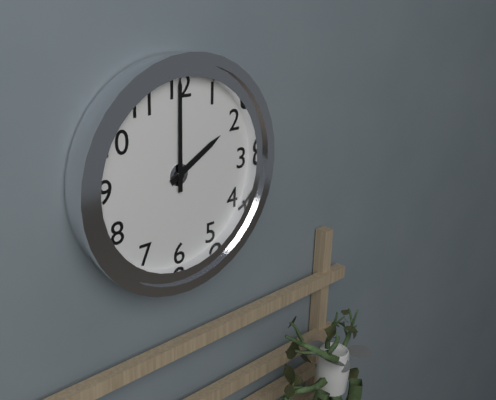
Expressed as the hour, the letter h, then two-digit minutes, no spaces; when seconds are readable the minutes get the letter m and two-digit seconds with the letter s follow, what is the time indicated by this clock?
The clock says 2h00
